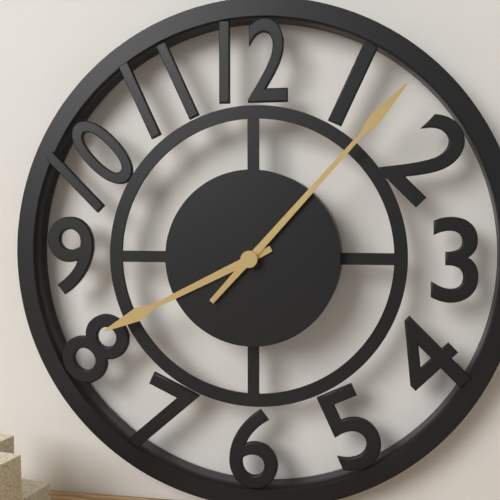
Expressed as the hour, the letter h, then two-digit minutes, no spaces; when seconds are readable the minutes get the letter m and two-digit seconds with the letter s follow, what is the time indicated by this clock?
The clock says 8h07
